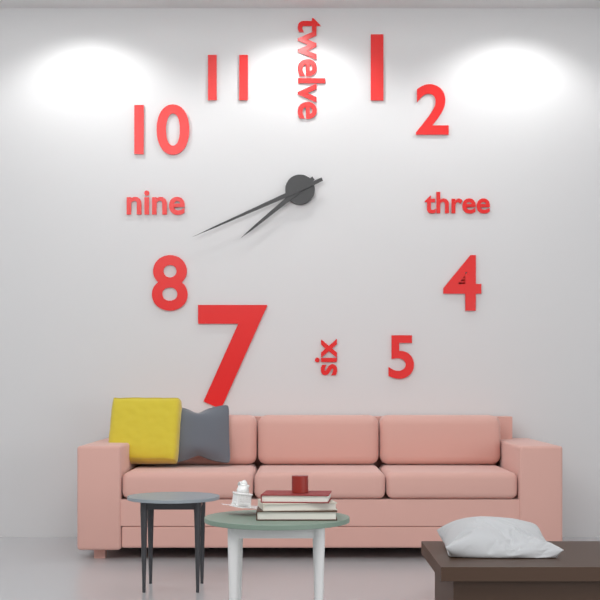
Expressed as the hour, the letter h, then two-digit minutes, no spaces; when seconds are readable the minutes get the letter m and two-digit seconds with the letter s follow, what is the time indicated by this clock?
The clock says 7h41
